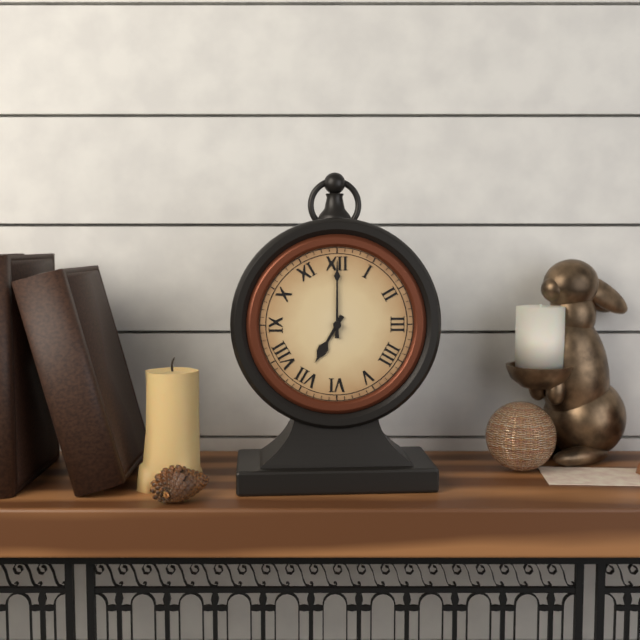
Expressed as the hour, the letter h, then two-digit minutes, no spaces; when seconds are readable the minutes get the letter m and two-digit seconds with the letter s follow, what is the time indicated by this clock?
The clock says 7h00
